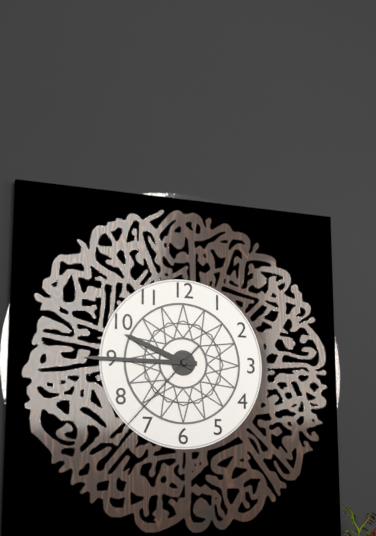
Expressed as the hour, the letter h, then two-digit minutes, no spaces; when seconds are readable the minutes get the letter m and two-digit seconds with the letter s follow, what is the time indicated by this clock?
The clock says 9h45m37s
